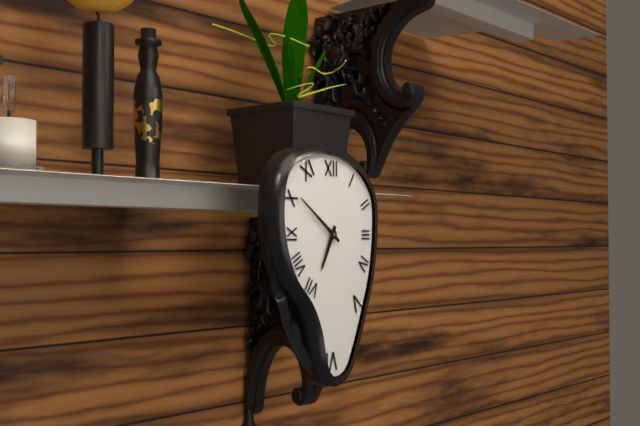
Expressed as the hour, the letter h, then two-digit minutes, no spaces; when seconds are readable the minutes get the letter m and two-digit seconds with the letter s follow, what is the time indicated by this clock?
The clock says 6h51
